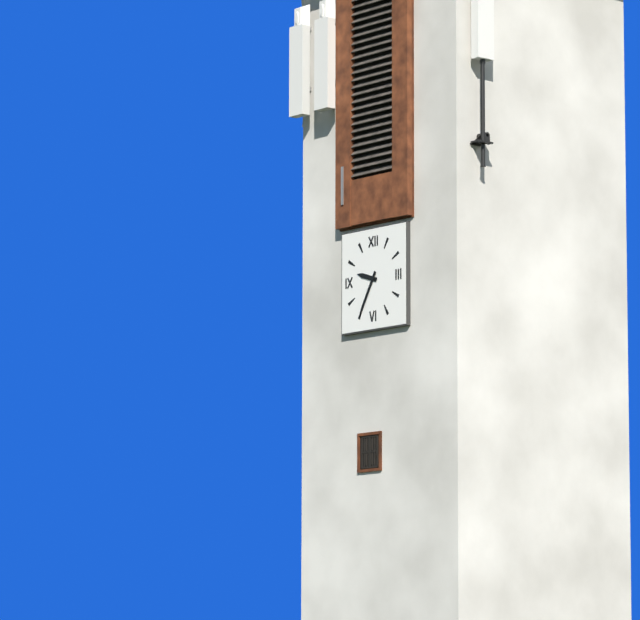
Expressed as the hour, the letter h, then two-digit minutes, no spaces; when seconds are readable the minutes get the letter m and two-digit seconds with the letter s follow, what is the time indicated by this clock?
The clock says 9h35
